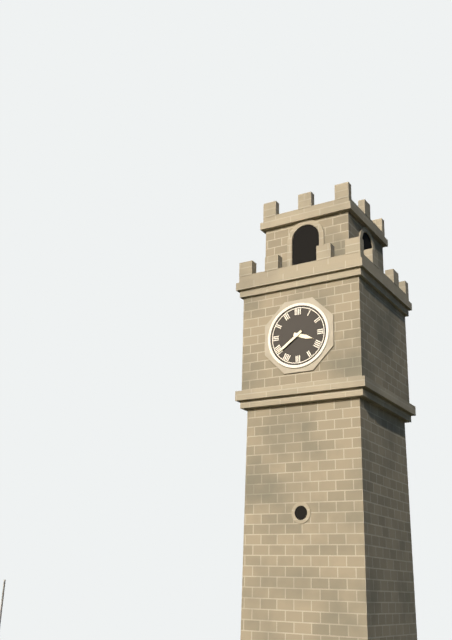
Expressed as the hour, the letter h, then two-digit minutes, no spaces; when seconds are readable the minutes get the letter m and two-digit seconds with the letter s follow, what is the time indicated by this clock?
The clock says 3h39
